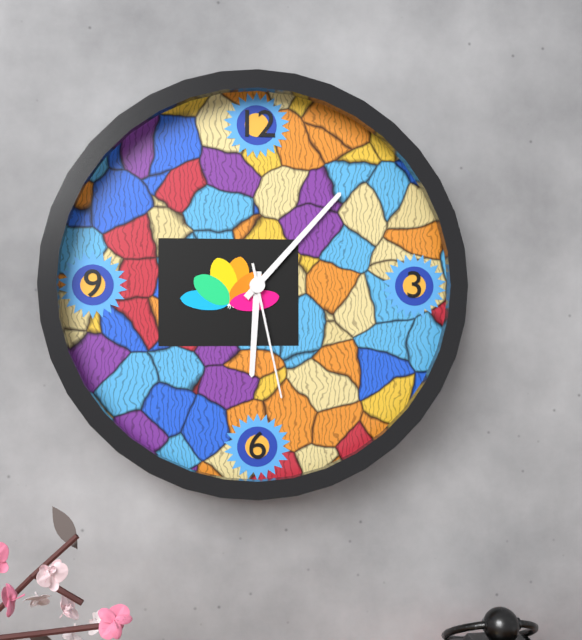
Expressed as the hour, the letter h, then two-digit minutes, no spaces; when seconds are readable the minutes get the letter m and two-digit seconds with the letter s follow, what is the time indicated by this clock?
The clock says 6h07m28s
